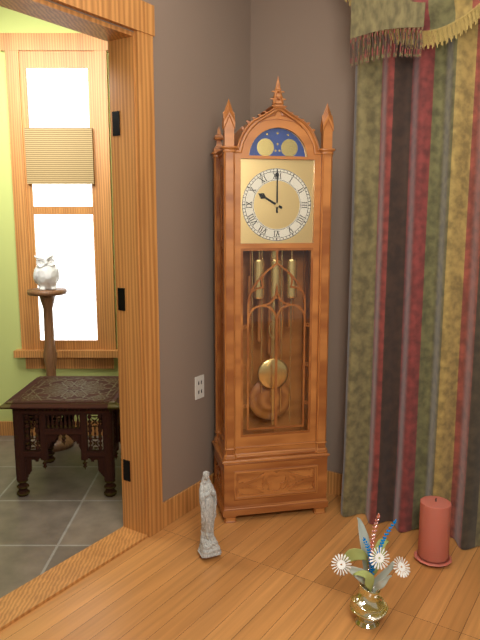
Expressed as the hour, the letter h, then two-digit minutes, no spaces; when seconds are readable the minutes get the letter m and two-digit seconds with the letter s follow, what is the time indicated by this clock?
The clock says 10h00
